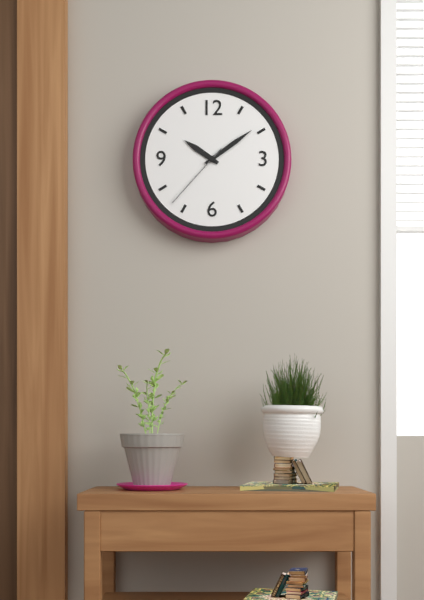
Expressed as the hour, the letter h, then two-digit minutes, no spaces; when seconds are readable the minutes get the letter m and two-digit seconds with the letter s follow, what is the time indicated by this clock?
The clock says 10h09m37s
